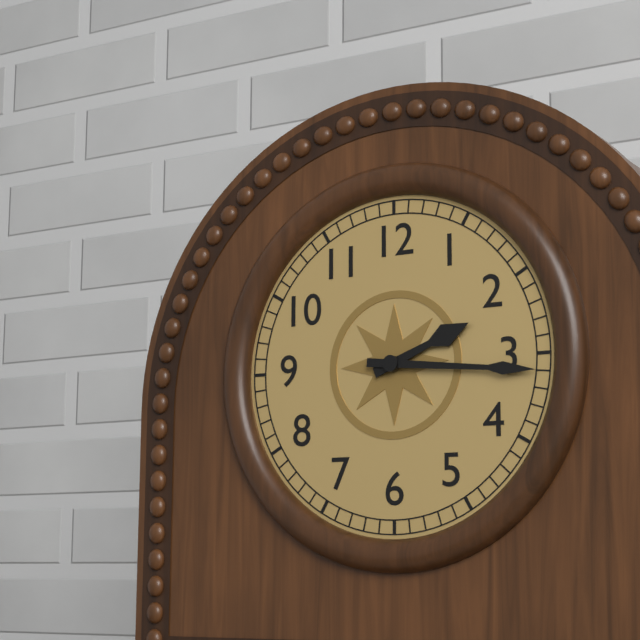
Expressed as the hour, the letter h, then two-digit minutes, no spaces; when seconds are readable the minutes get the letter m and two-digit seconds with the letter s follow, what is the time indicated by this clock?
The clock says 2h16
